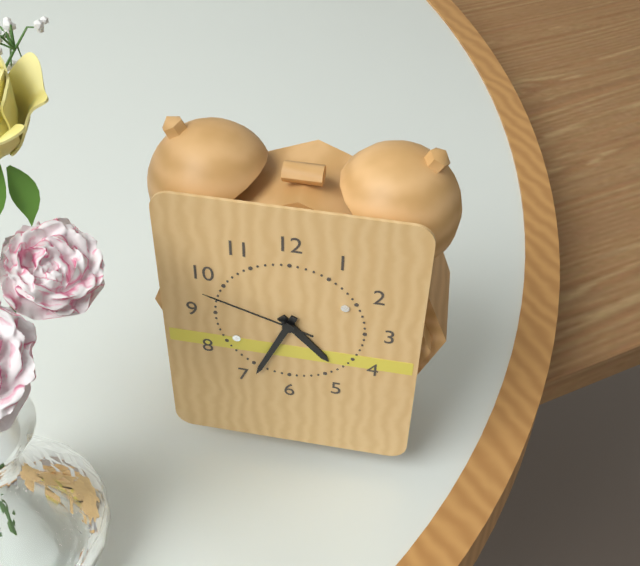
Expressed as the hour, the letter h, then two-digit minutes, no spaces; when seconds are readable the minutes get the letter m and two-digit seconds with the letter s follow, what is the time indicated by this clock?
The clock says 4h34m48s
